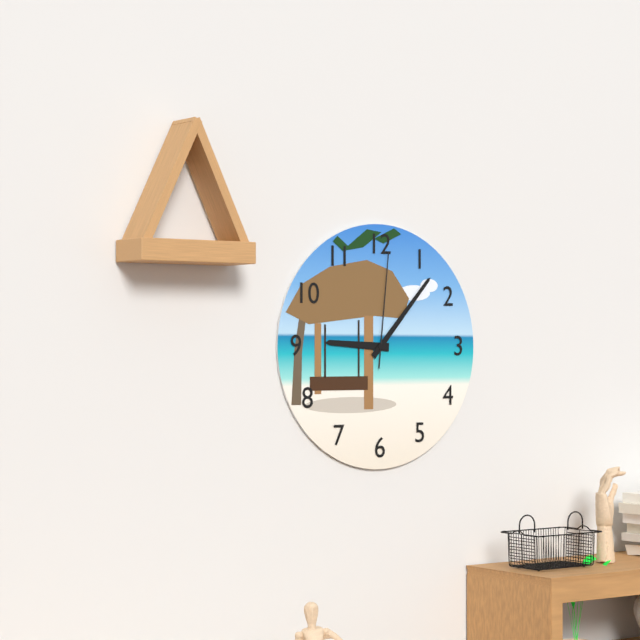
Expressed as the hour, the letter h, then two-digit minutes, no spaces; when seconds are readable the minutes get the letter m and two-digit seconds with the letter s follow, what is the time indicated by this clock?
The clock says 9h07m01s
